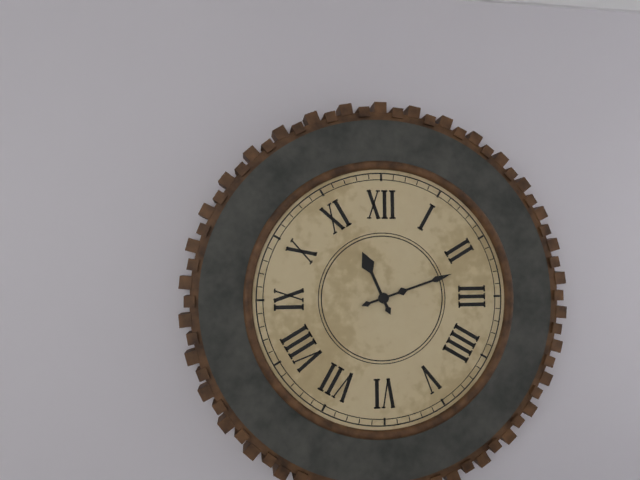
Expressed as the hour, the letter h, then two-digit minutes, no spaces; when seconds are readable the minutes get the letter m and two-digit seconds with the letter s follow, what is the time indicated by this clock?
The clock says 11h12
